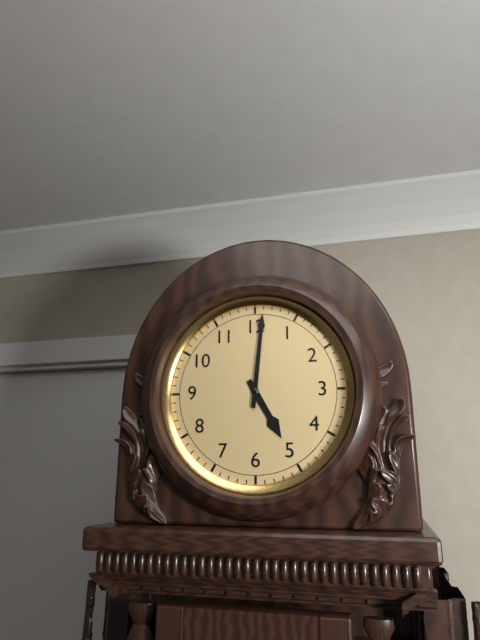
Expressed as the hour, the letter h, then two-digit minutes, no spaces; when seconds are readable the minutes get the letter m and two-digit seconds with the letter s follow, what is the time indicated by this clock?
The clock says 5h01
